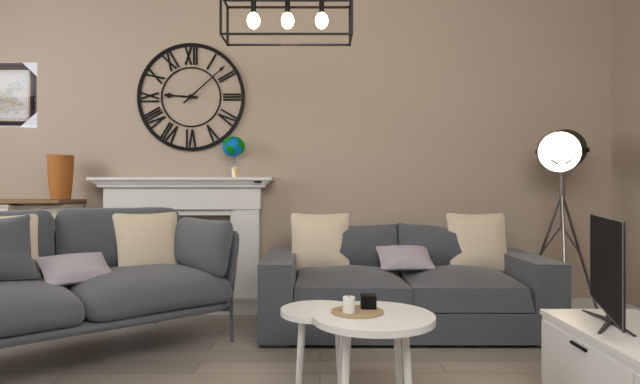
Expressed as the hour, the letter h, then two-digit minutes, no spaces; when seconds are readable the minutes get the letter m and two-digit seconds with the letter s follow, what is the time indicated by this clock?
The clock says 9h08
